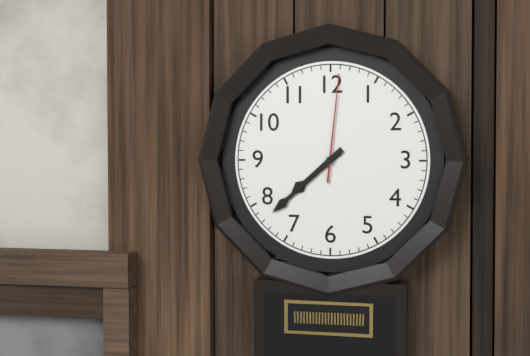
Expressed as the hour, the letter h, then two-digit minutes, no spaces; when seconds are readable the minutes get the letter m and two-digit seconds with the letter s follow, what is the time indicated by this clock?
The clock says 7h38m01s
